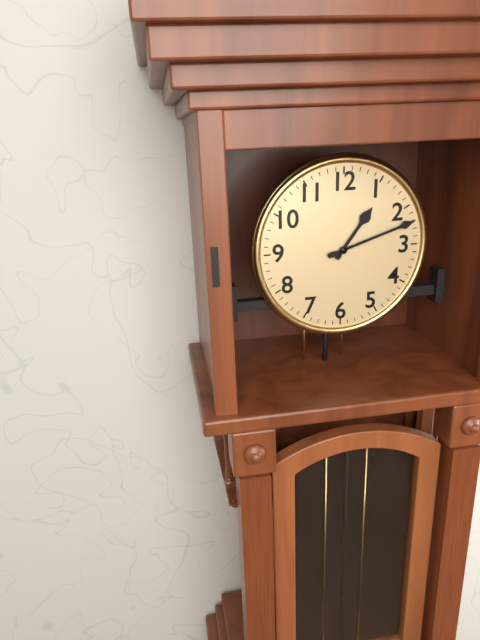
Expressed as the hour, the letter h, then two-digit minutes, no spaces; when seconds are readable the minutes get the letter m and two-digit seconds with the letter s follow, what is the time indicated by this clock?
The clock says 1h12
